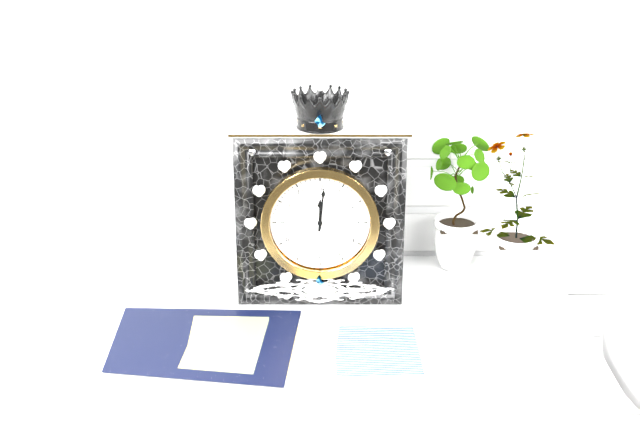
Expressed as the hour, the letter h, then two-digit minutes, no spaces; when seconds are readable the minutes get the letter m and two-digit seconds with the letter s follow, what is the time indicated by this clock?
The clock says 12h01
